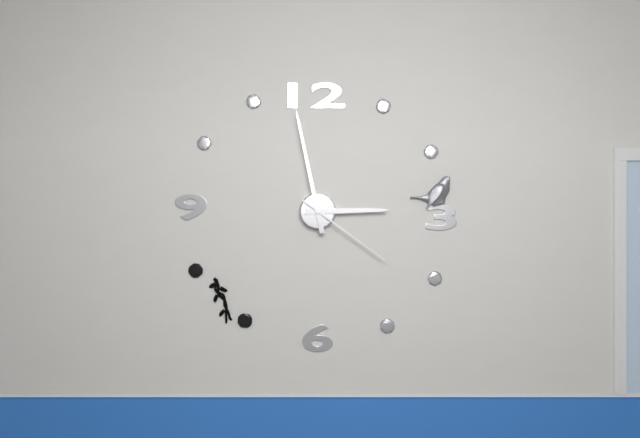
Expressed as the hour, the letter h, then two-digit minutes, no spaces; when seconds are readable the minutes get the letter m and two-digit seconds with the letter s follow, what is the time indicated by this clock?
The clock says 2h58m21s
